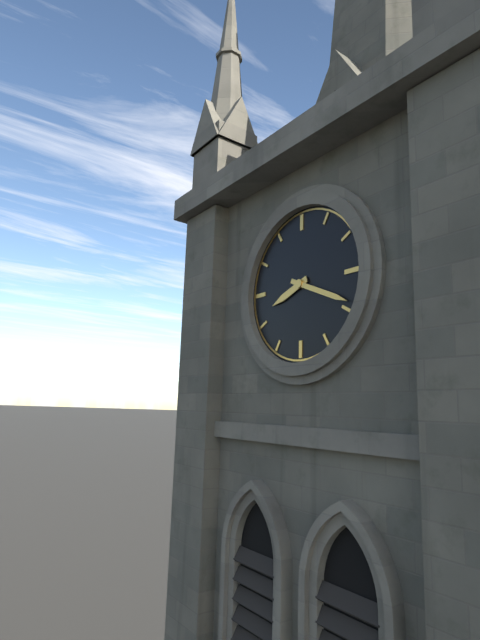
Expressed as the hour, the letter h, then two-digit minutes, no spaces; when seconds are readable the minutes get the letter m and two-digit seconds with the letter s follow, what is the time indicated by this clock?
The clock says 8h19
